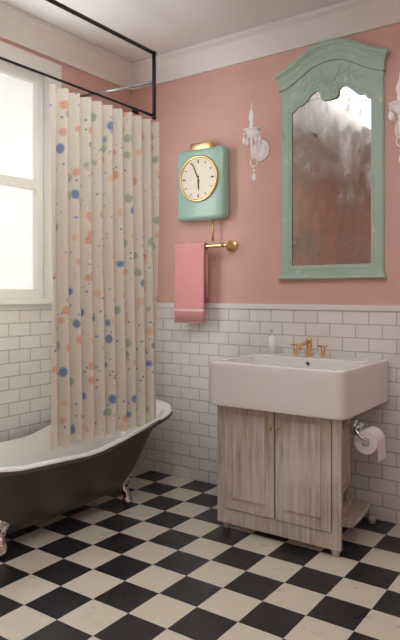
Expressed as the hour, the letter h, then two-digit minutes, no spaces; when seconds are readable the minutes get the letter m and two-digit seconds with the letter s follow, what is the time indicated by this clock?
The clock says 5h56
